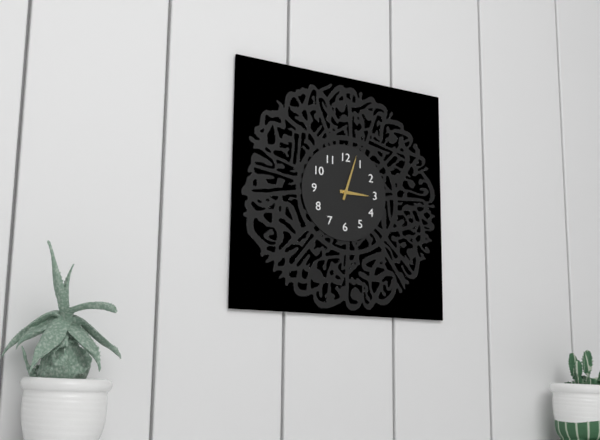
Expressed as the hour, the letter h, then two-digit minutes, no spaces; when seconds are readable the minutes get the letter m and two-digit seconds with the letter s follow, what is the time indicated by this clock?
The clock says 3h03
